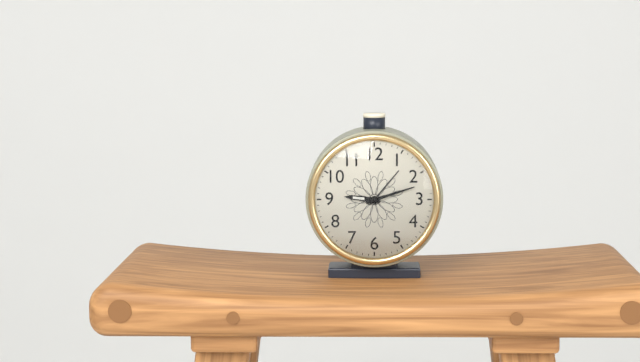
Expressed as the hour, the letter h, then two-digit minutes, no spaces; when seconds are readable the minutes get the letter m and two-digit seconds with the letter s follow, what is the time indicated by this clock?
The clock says 9h12
